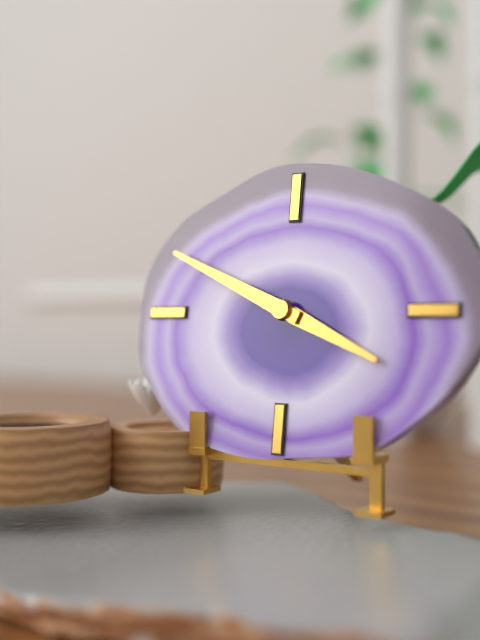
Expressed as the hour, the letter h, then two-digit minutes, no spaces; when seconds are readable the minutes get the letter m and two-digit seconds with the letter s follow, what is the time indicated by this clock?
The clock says 3h49
